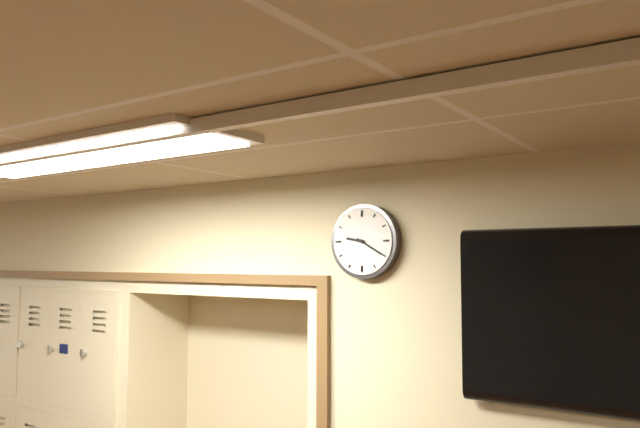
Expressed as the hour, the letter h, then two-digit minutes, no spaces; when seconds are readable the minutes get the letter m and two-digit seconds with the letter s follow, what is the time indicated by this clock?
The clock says 9h20
